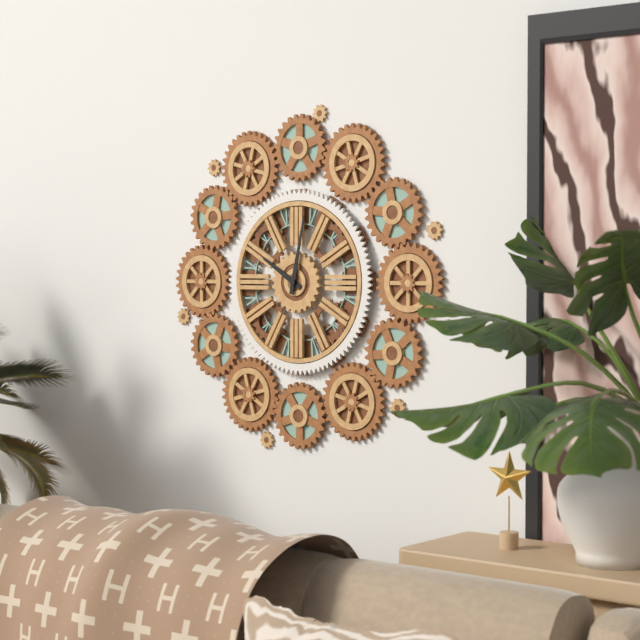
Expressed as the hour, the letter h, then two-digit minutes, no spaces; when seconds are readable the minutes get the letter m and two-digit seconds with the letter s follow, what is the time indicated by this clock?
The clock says 10h02
